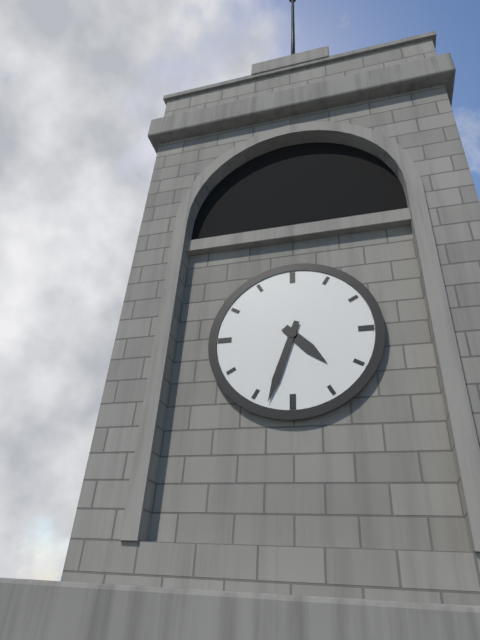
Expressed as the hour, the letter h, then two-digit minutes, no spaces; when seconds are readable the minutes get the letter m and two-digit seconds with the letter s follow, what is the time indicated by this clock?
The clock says 4h33
